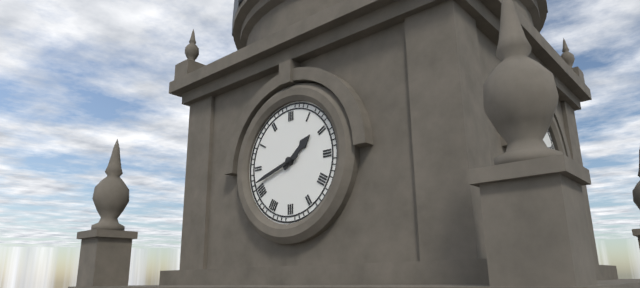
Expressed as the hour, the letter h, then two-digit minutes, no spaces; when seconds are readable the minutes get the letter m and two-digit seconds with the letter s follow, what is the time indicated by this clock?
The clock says 1h42
